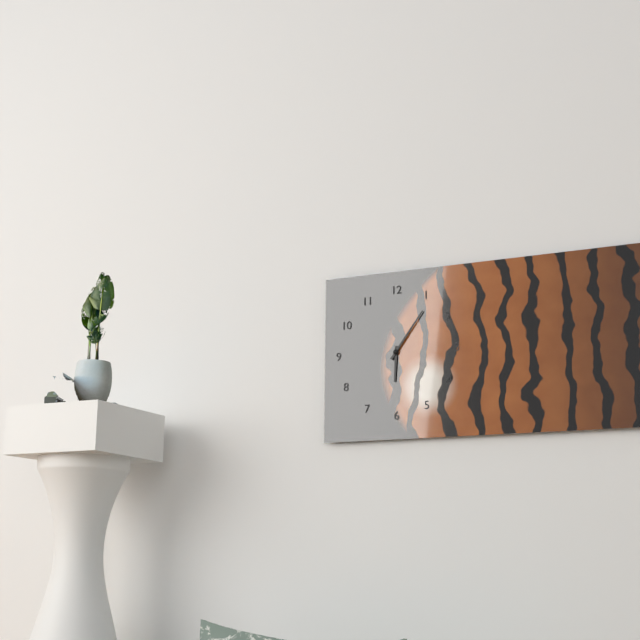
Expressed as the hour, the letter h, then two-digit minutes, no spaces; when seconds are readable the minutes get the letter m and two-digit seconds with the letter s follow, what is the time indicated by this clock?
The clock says 6h06
